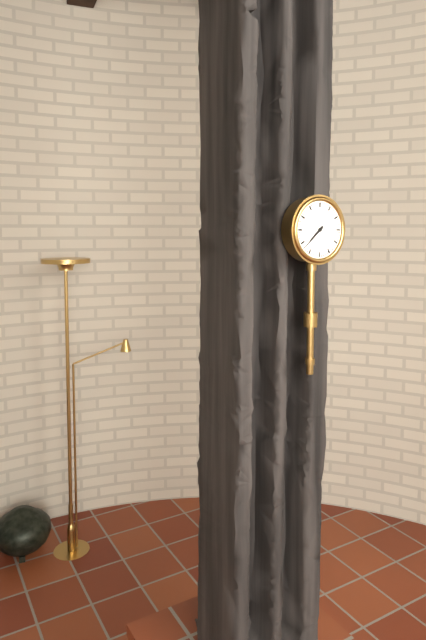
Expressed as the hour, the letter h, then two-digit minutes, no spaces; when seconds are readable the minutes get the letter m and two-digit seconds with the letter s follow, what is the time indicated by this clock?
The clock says 7h38
